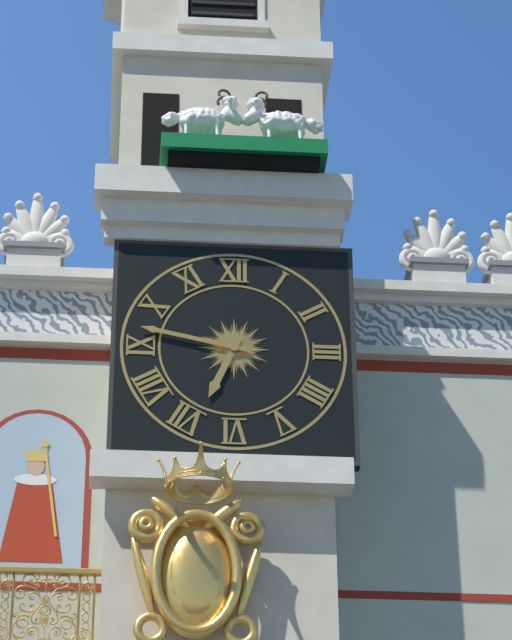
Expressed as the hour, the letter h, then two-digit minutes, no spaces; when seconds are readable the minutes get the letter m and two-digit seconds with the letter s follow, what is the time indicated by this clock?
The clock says 6h47
